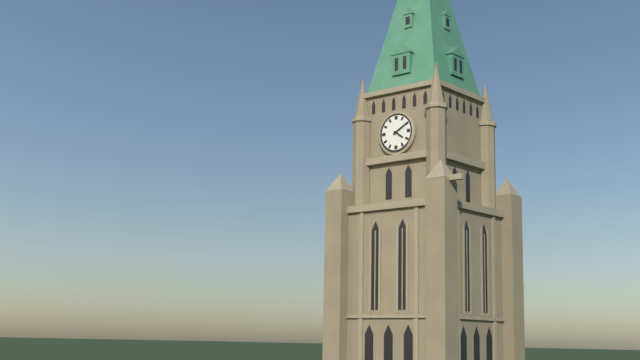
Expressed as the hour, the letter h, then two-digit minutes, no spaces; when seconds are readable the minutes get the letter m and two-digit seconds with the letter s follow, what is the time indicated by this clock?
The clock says 4h10
